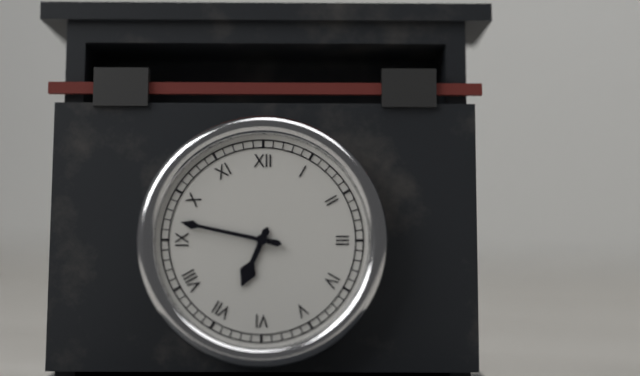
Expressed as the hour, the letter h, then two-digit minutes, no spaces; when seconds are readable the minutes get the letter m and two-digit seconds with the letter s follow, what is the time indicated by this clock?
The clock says 6h47
